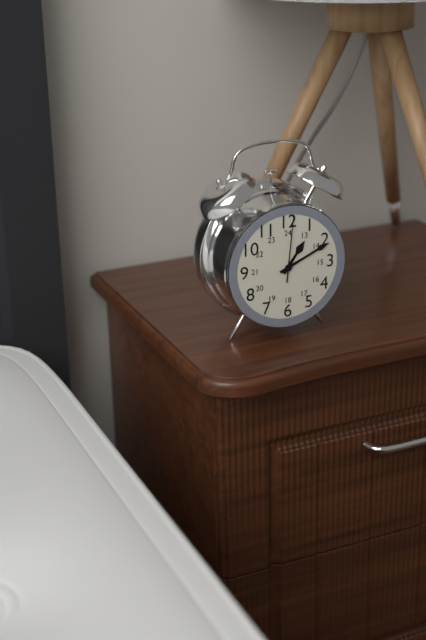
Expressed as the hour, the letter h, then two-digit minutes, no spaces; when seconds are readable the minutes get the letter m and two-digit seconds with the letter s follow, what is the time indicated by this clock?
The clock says 1h11m01s
